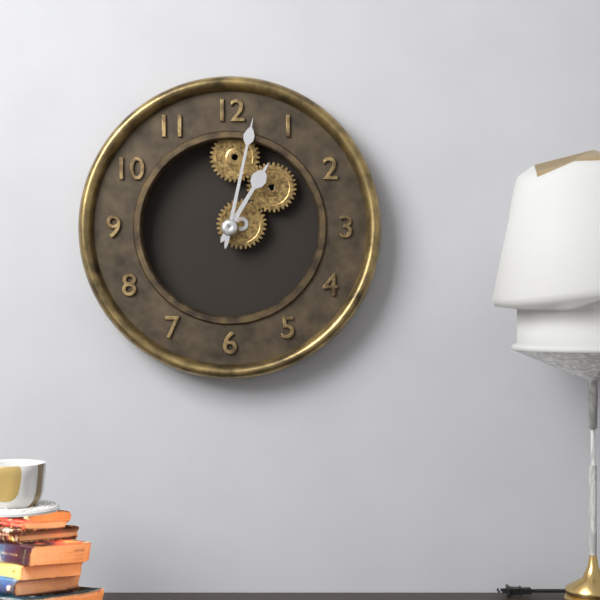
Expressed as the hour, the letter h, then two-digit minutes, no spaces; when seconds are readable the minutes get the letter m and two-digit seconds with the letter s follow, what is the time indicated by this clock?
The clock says 1h02
